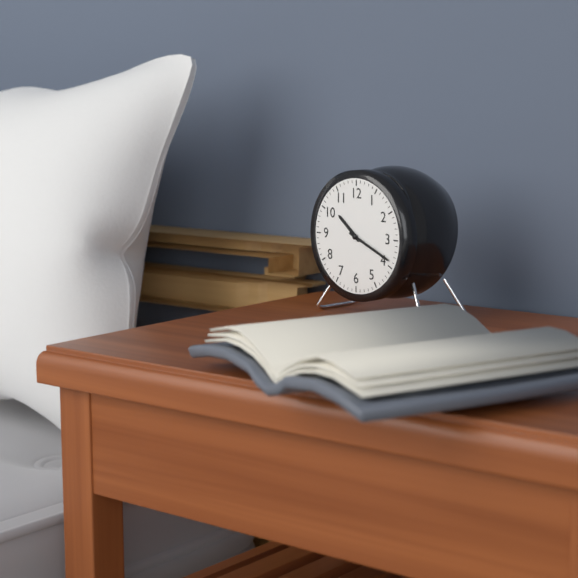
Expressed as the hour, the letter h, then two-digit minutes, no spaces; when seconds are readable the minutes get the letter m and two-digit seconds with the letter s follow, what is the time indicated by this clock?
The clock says 10h19
